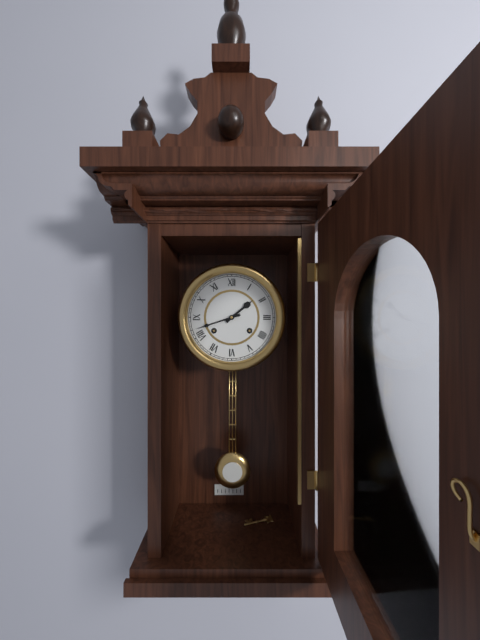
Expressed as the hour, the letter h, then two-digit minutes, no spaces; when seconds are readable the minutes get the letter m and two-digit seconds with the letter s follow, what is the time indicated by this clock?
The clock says 1h42
